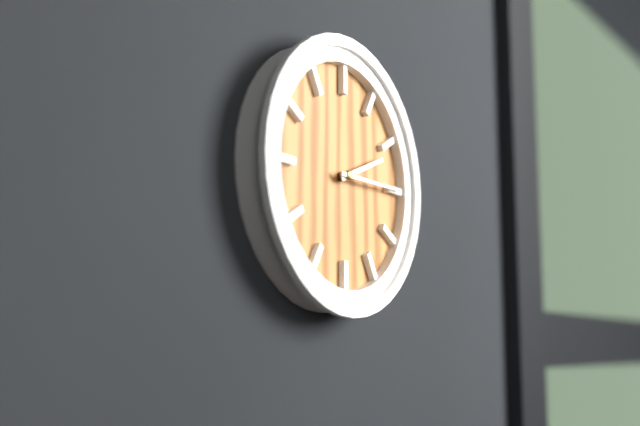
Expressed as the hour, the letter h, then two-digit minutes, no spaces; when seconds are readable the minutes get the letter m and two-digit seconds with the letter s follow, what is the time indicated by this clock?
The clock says 2h15
